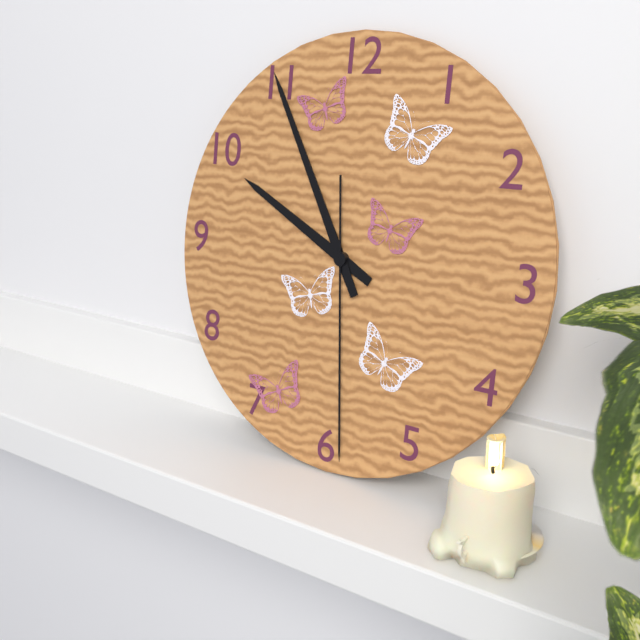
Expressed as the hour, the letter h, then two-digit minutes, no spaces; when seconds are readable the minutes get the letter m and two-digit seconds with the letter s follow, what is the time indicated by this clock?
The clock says 9h55m29s
